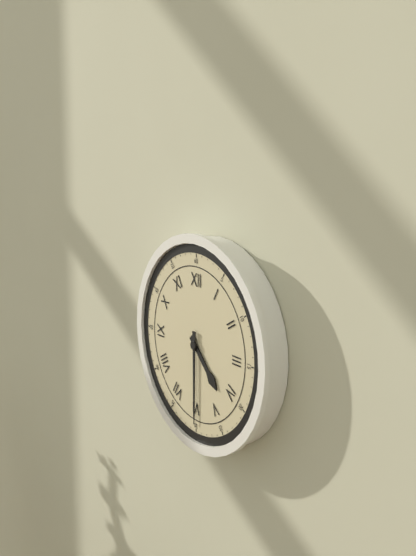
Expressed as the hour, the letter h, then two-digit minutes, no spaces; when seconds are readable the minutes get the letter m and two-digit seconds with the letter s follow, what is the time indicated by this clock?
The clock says 4h30
